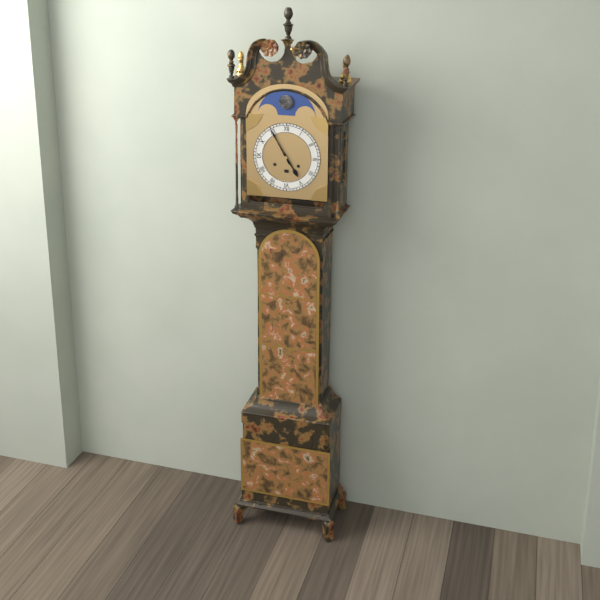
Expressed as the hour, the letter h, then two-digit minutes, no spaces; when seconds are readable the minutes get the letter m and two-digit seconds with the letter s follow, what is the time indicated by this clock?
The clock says 4h55
